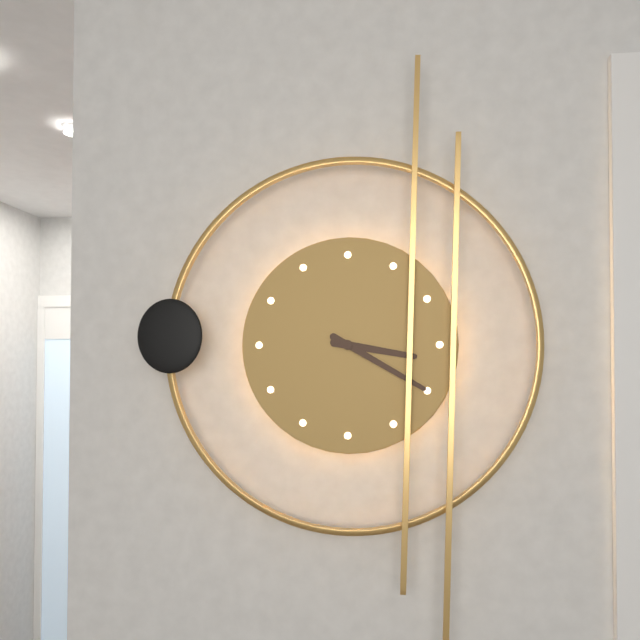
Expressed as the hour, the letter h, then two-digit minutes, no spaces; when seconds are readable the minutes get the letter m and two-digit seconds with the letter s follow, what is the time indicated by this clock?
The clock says 3h20
